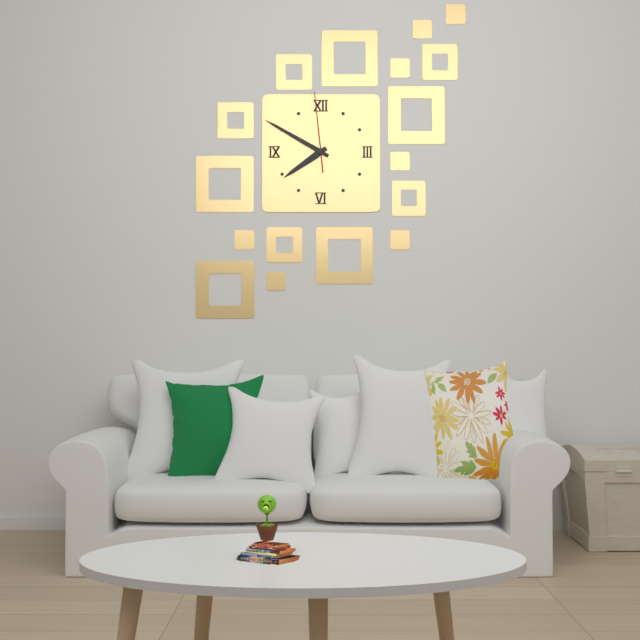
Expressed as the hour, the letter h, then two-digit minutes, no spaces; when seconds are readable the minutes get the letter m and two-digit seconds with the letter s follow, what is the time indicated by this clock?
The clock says 7h50m59s
